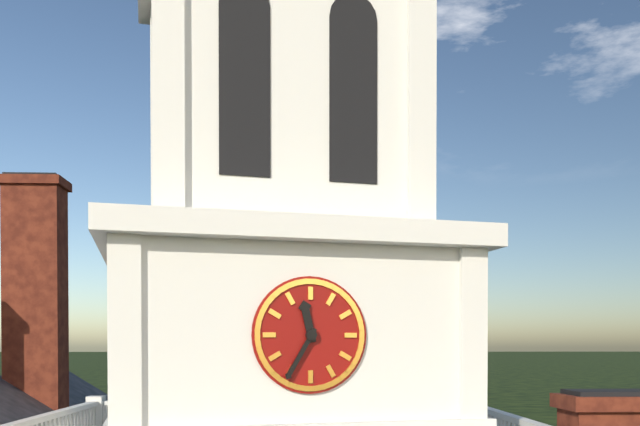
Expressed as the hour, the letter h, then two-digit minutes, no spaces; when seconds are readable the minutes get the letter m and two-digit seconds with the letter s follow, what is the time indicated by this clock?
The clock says 11h35
